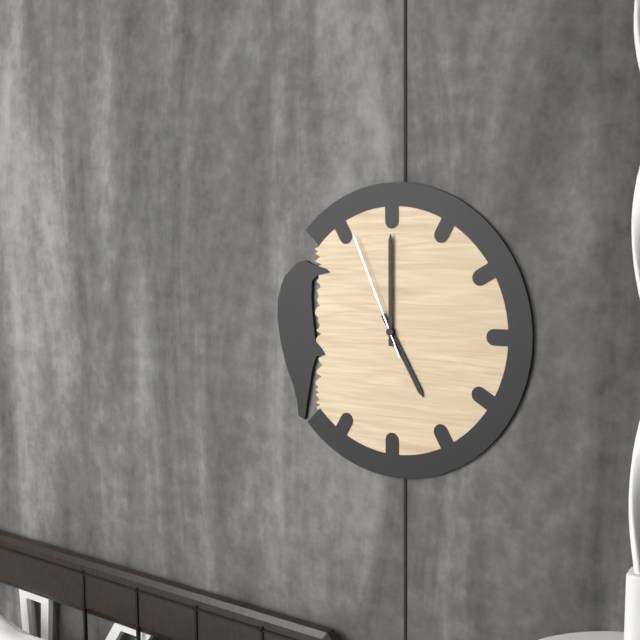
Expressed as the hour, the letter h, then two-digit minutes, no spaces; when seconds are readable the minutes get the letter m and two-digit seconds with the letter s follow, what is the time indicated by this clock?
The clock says 5h00m56s
